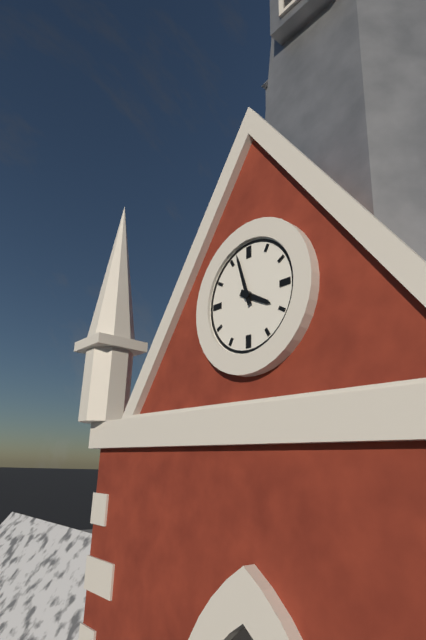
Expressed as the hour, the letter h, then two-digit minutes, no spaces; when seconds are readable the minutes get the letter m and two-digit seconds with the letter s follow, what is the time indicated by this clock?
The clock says 3h57
